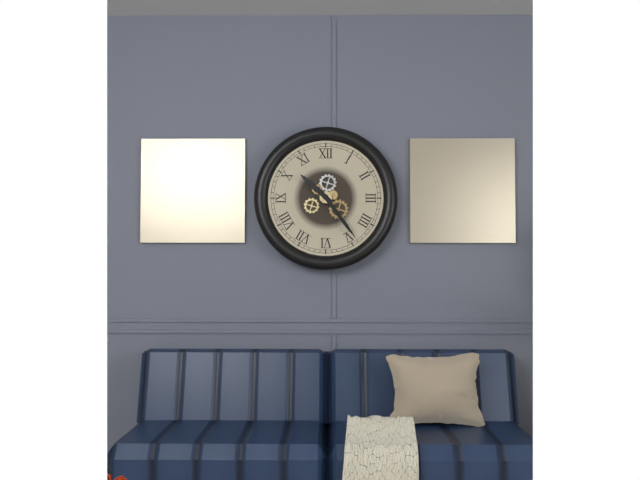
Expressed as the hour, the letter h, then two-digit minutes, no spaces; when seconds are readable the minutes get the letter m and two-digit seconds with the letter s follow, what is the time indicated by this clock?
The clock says 10h24
